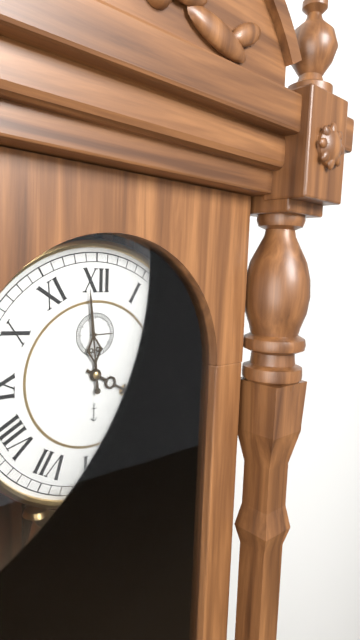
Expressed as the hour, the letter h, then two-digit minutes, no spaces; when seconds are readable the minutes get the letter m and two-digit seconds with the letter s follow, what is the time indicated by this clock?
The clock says 3h59
